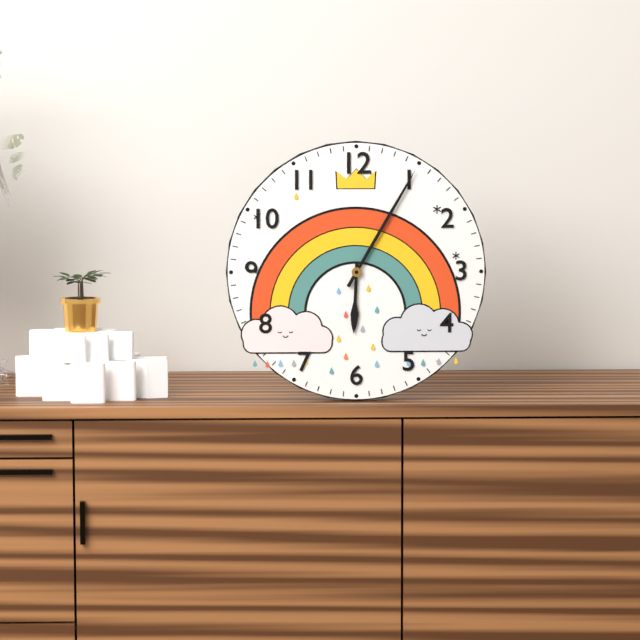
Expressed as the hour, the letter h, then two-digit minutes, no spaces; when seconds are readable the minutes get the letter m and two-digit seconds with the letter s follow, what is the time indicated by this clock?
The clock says 6h05
